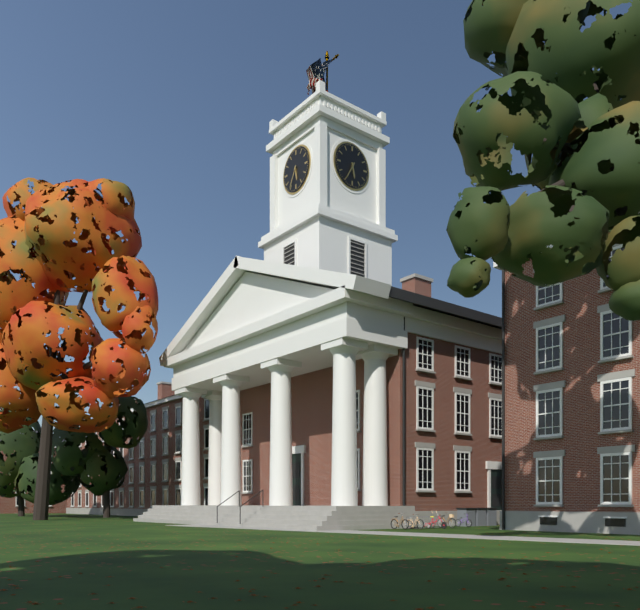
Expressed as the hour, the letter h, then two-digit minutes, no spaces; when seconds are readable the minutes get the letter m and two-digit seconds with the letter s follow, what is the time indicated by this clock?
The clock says 5h35
